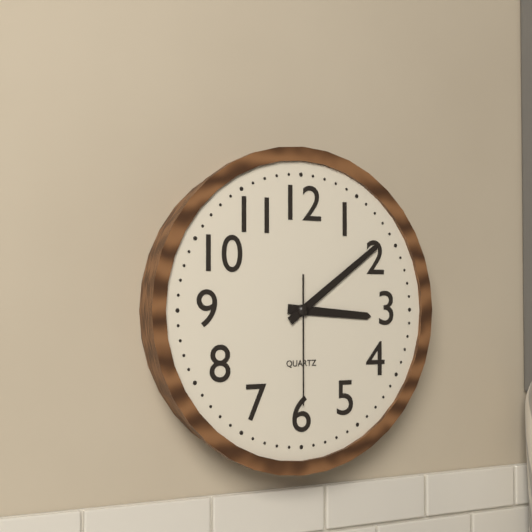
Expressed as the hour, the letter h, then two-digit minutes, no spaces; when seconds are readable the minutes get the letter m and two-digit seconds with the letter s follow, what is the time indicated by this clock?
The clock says 3h09m30s
